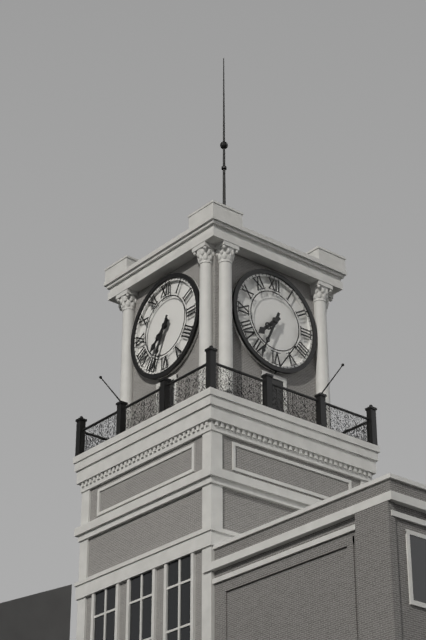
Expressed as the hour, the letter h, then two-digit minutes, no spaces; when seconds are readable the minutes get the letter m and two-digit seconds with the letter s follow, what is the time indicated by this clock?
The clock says 7h34
